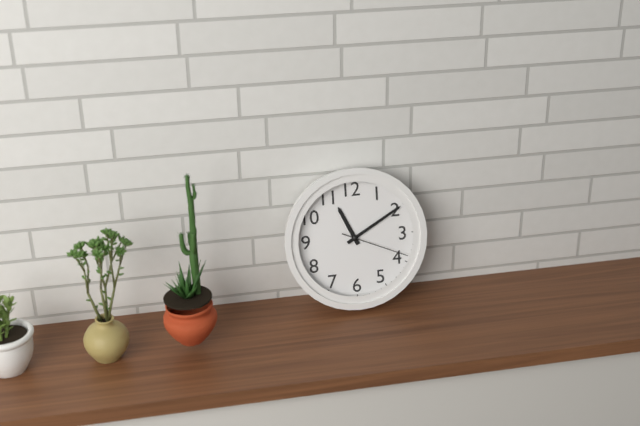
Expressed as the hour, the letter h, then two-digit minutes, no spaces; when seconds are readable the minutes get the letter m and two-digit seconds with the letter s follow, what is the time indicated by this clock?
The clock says 11h10m19s
